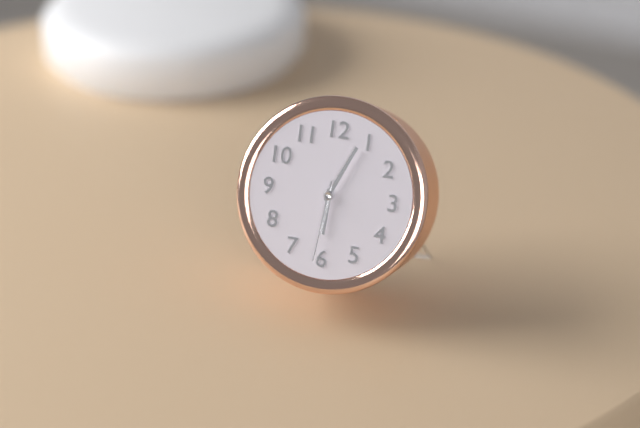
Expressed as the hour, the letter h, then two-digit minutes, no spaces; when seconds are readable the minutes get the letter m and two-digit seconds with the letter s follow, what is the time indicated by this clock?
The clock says 6h04m31s
